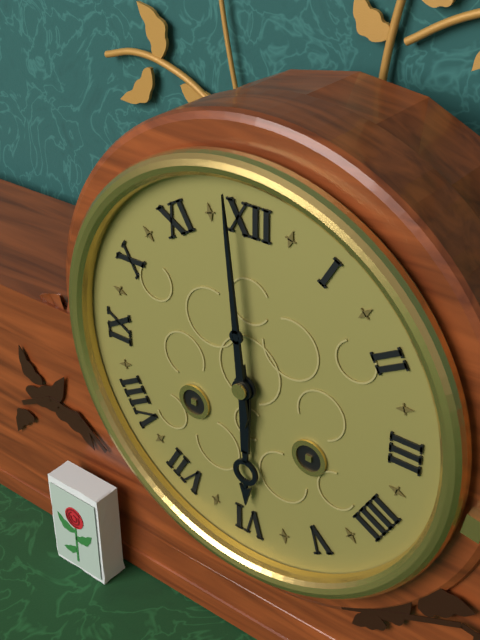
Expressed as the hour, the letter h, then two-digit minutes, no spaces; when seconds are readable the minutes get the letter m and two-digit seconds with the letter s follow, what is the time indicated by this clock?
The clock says 5h59
